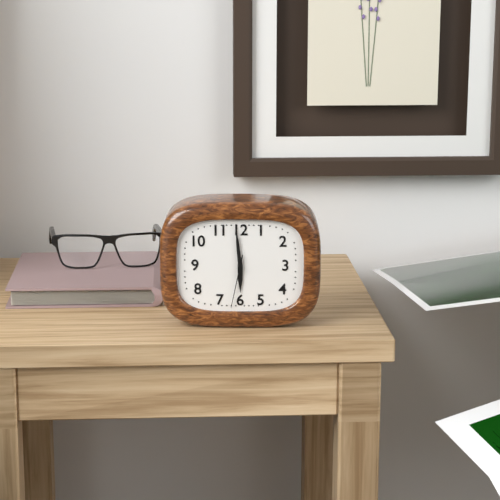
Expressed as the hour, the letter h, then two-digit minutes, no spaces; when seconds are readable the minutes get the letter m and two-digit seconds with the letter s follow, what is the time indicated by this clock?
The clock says 5h59m32s
